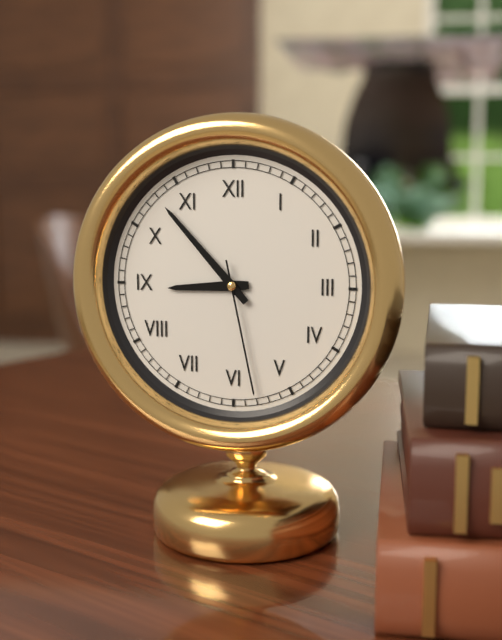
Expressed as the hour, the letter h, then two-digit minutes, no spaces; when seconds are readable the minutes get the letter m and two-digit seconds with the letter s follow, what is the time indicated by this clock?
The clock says 8h53m28s
